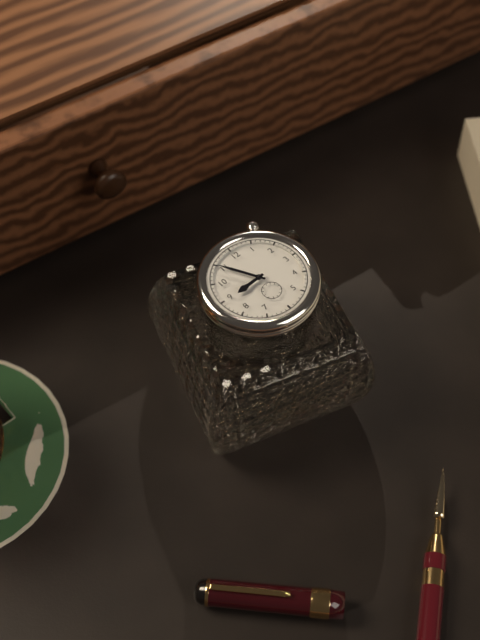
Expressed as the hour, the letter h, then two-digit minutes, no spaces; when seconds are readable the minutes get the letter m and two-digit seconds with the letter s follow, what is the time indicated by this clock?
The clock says 8h55
